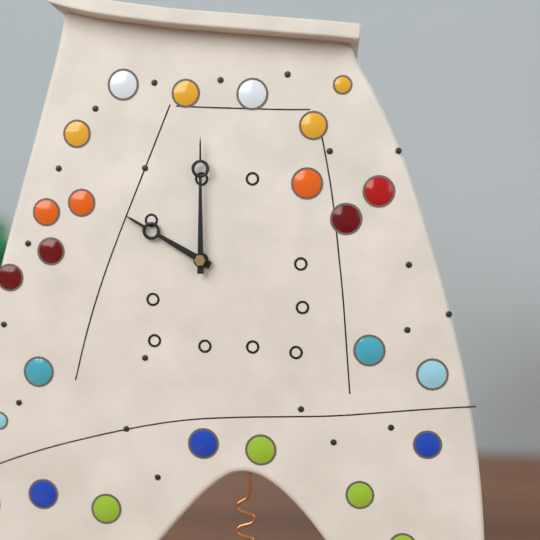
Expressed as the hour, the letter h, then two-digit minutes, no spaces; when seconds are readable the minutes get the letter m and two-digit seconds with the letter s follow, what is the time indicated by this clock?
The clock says 10h00
